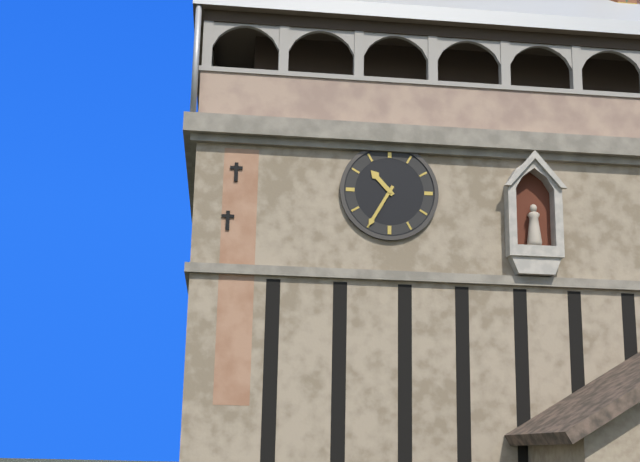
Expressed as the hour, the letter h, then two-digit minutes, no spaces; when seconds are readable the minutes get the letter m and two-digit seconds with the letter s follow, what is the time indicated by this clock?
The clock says 10h35
